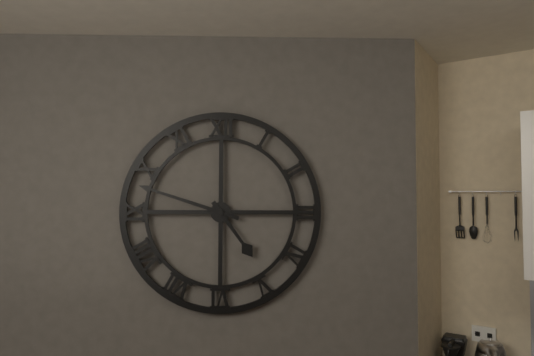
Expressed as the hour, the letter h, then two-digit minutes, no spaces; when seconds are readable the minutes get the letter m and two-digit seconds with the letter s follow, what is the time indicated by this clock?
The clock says 4h48
